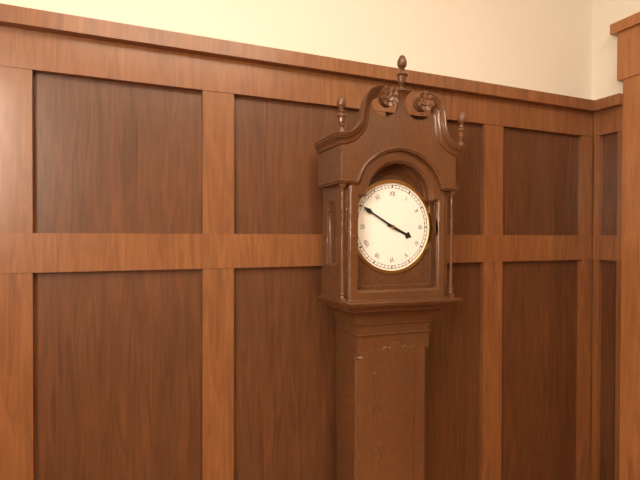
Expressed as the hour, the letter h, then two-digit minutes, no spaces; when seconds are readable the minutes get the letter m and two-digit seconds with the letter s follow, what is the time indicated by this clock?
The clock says 3h50
